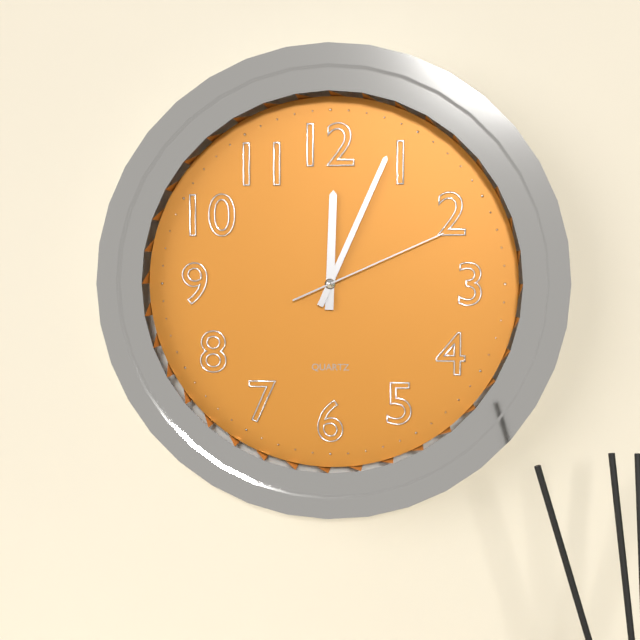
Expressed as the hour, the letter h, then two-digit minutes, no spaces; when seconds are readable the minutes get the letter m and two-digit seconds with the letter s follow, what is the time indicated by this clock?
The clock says 12h04m11s
